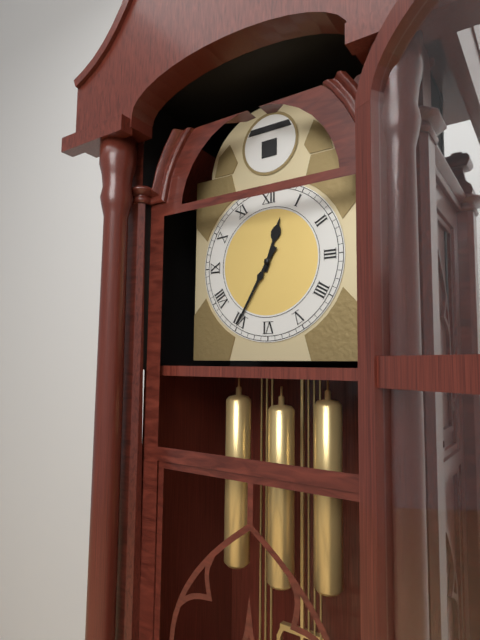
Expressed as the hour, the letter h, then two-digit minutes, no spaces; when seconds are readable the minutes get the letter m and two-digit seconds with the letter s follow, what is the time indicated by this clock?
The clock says 12h35
